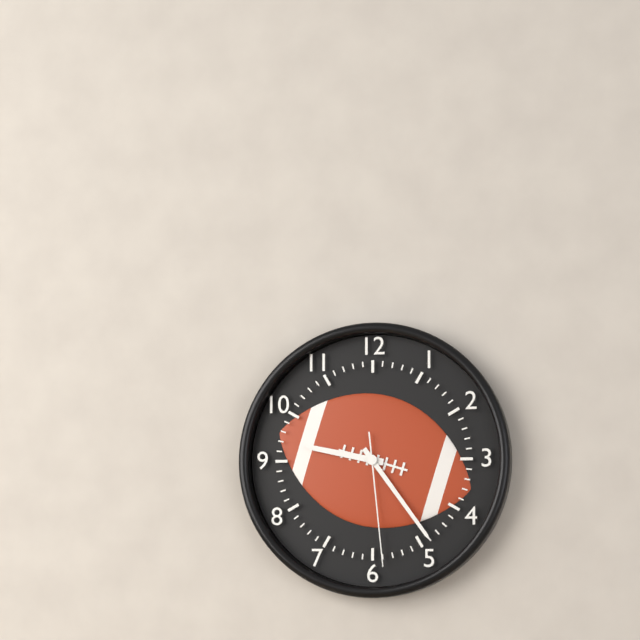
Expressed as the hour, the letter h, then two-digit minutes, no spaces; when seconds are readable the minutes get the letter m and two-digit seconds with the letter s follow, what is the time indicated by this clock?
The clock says 9h24m29s
